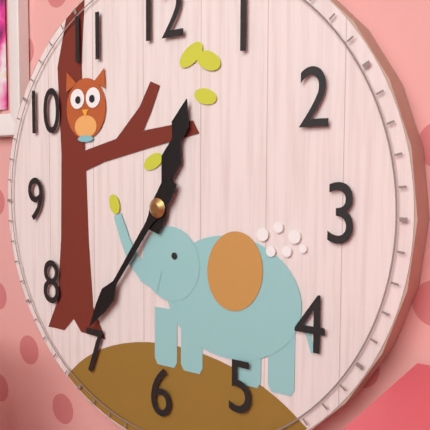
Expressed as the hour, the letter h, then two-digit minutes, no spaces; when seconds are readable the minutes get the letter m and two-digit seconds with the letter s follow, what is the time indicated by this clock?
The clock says 12h36
